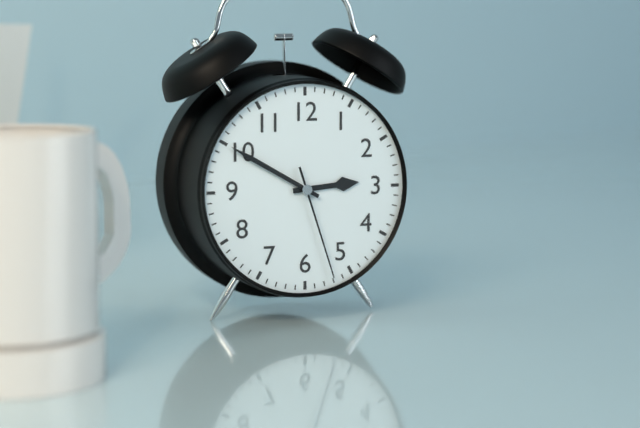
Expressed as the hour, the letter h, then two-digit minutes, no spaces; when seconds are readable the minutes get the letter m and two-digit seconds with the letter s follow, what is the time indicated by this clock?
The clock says 2h50m27s
